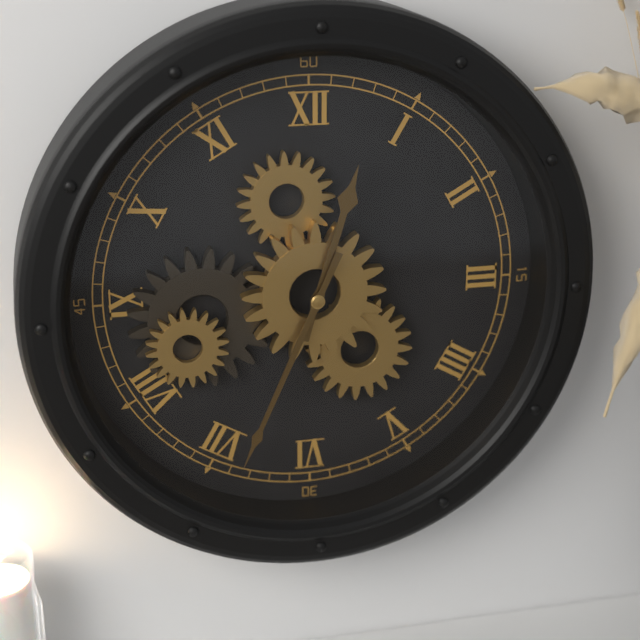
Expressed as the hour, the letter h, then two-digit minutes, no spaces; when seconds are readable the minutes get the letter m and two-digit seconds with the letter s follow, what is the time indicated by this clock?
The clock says 12h34
